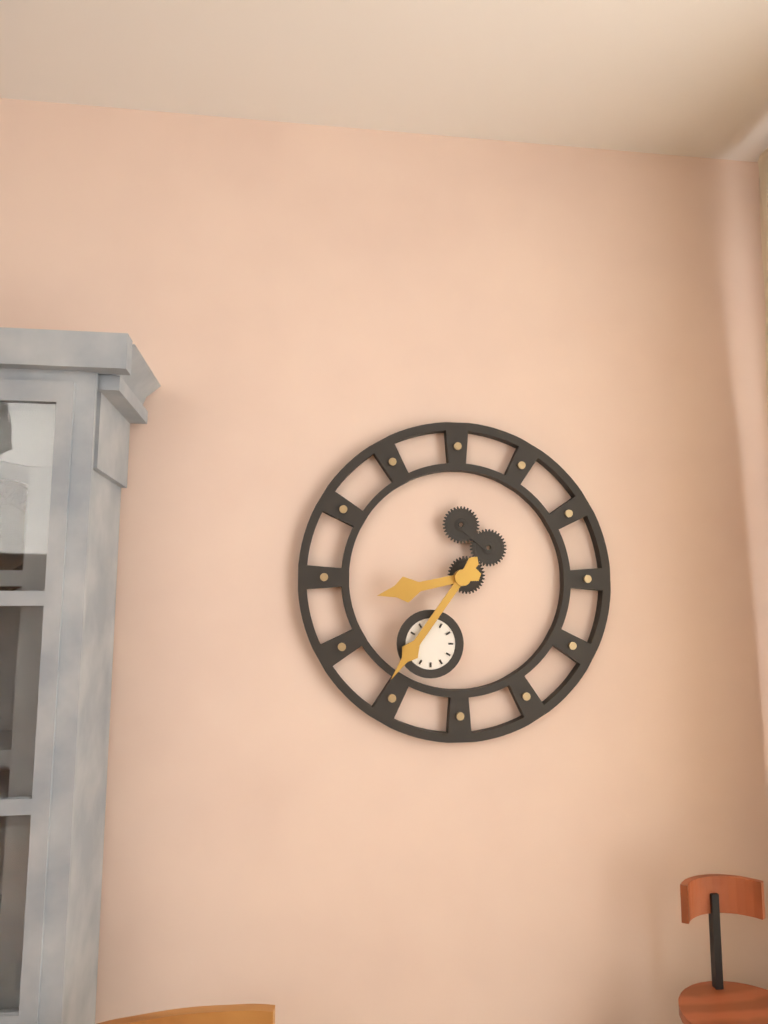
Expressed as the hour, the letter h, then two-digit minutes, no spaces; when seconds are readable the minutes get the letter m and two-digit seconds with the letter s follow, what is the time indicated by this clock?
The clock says 8h36
